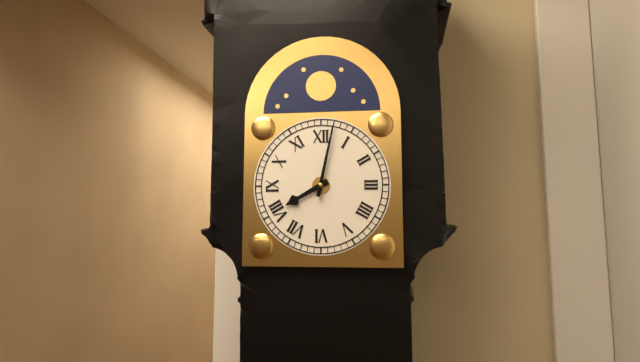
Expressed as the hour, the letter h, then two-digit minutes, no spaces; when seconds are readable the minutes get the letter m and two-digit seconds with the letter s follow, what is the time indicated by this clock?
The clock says 8h02
